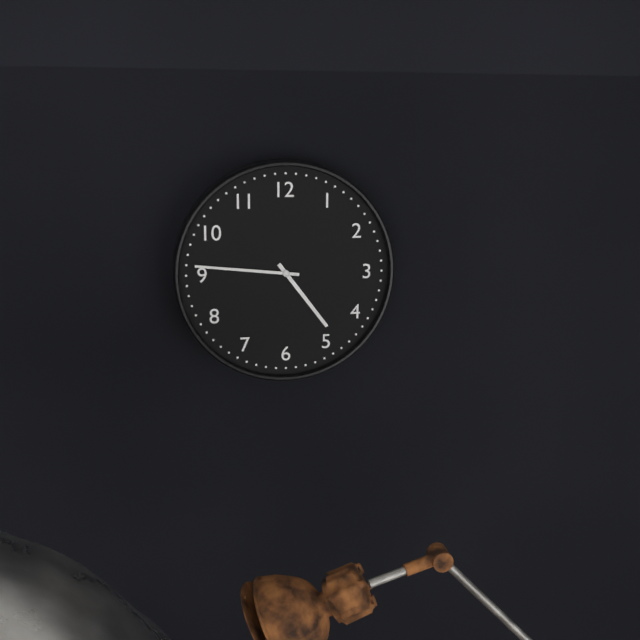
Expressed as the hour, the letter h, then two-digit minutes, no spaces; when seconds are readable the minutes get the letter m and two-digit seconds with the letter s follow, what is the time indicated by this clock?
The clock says 4h46
